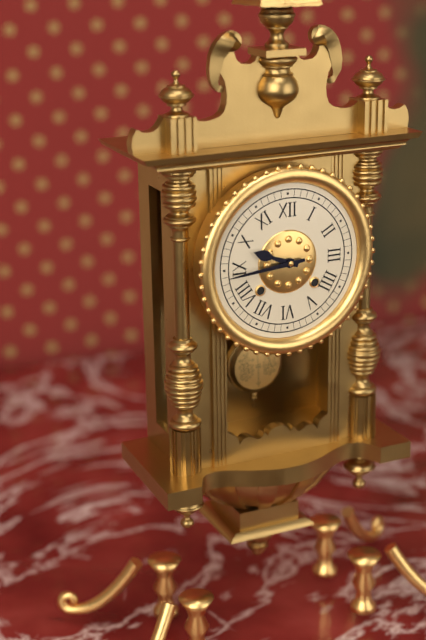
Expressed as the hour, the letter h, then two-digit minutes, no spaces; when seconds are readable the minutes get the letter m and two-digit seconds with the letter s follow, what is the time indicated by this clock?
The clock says 9h44
